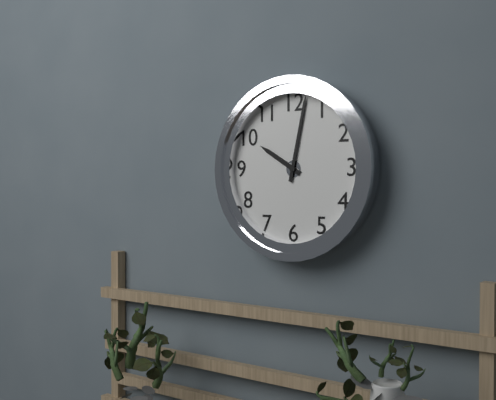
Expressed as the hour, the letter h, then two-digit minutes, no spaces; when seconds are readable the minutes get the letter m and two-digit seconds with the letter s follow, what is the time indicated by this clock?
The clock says 10h02
